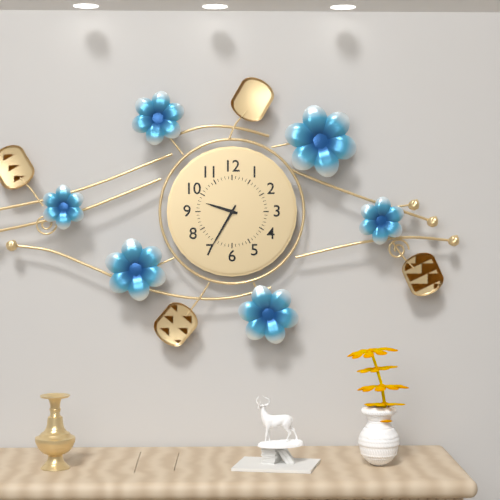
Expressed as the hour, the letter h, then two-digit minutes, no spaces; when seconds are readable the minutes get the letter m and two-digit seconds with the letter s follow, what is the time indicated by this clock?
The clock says 9h35
